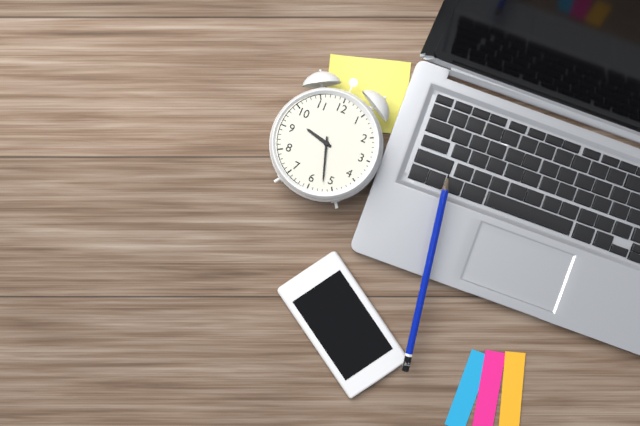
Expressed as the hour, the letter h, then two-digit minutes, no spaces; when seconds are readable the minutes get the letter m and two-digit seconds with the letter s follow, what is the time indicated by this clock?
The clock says 9h27
